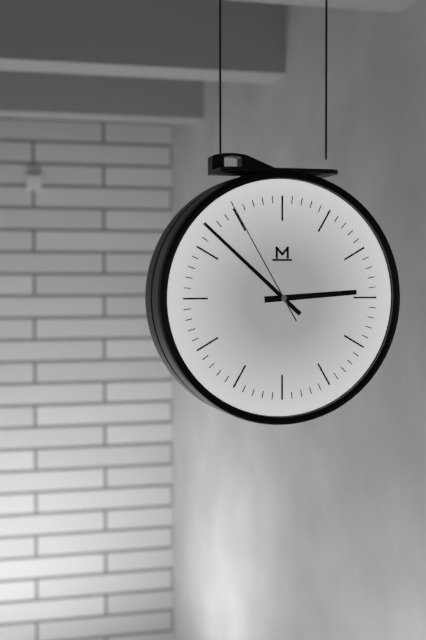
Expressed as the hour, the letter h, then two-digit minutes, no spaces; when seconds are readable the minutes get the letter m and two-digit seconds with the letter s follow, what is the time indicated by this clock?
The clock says 2h52m55s
